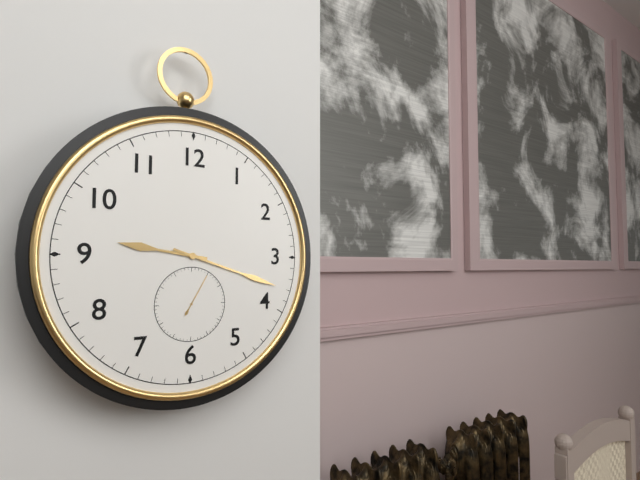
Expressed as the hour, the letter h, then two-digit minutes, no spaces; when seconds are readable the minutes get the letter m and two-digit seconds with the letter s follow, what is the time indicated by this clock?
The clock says 9h18m05s
